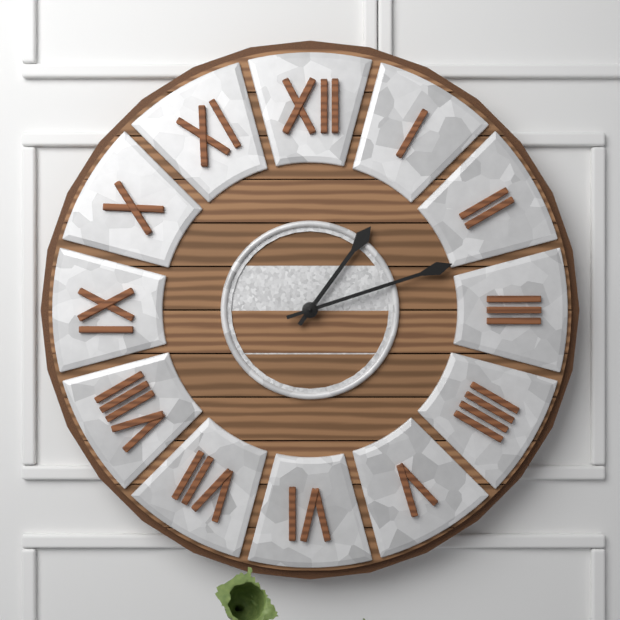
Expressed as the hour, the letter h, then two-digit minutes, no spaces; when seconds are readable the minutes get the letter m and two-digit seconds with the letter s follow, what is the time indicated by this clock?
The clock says 1h12
